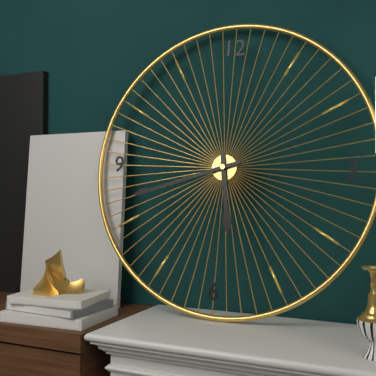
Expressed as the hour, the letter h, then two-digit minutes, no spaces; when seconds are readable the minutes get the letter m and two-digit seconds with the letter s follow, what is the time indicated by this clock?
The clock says 5h42
